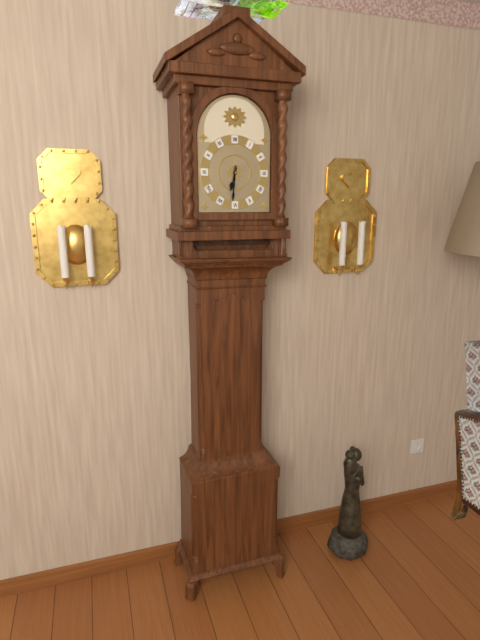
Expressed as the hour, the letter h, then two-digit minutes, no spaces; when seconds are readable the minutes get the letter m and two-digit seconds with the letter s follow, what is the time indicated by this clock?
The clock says 6h31
